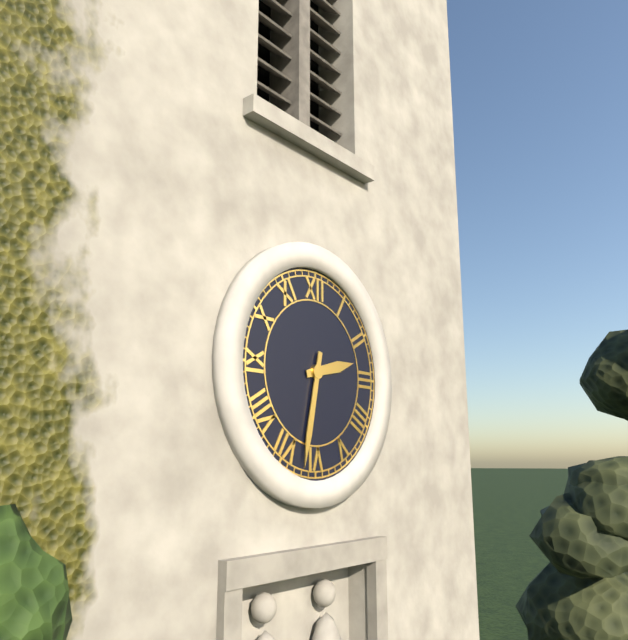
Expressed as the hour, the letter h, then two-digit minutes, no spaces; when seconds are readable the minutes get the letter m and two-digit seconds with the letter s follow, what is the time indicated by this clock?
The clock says 2h32
